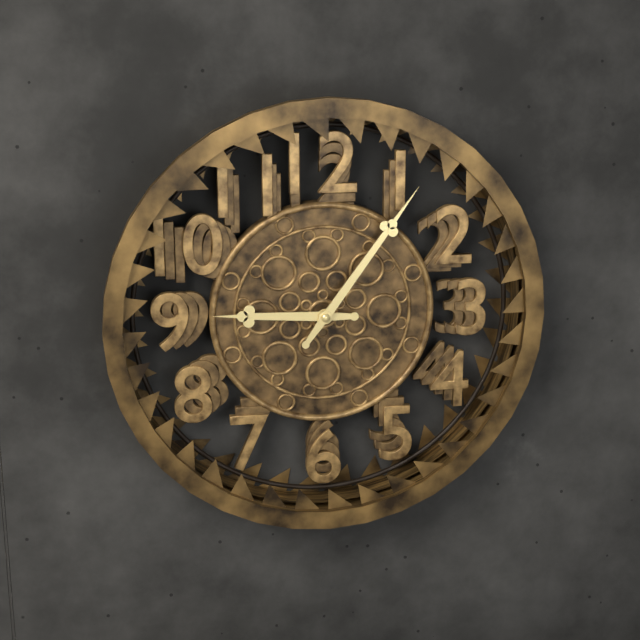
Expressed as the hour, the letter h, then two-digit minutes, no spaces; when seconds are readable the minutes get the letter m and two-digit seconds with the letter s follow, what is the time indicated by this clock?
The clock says 9h06
